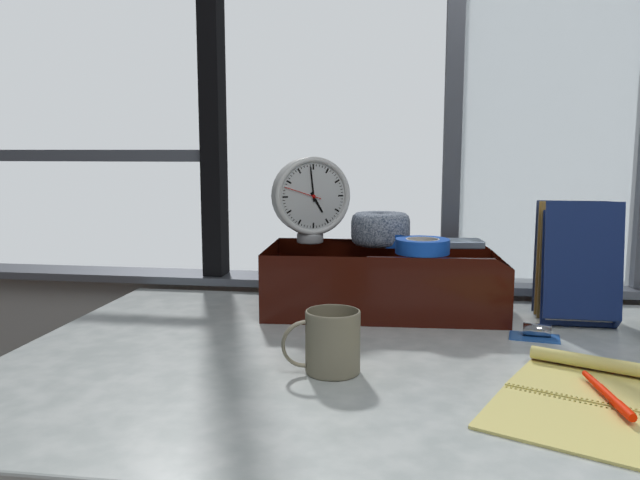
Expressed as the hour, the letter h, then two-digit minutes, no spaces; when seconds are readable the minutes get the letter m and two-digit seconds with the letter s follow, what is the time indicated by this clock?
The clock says 4h59
